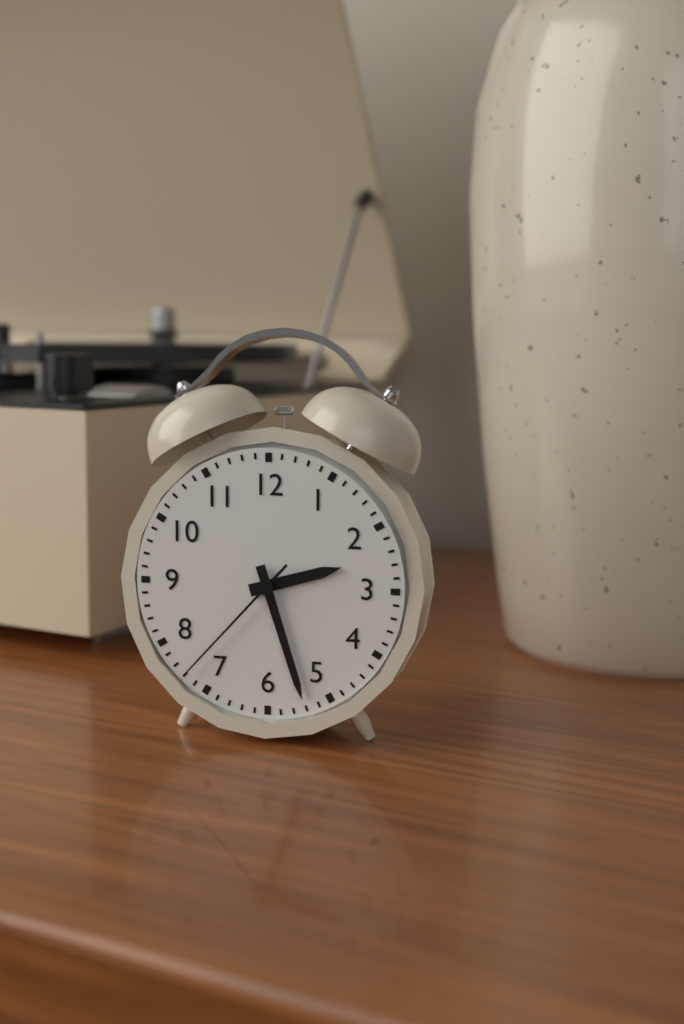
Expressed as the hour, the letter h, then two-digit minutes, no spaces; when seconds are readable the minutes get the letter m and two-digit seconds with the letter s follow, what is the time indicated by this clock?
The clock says 2h27m37s
